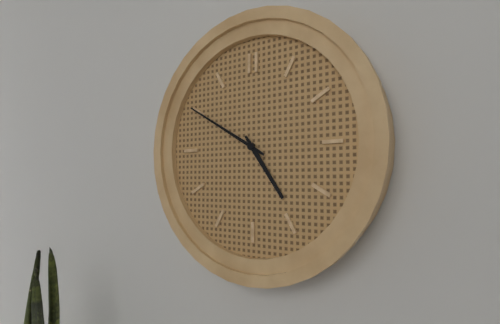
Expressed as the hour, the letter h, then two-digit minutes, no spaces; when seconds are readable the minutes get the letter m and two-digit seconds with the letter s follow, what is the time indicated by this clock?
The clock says 4h50
